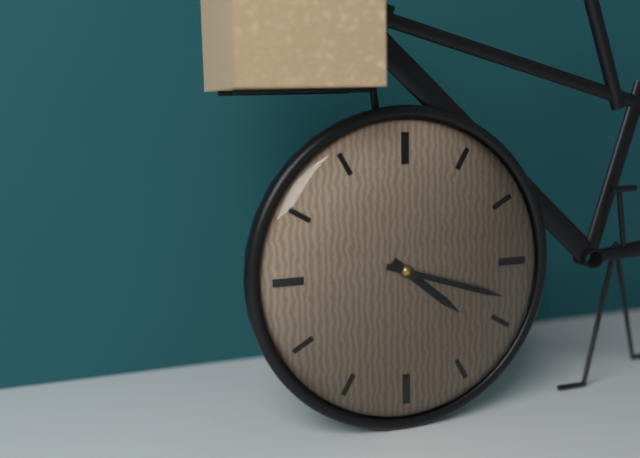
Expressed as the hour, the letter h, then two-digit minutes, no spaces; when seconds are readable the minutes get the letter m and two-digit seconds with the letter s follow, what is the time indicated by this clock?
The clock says 4h18
